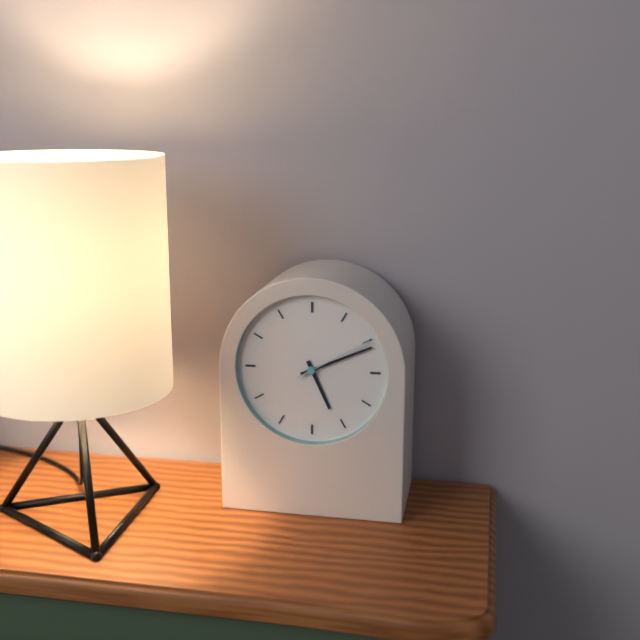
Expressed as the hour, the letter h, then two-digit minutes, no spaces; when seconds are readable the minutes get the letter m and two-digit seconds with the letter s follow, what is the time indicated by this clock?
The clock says 5h11m10s
